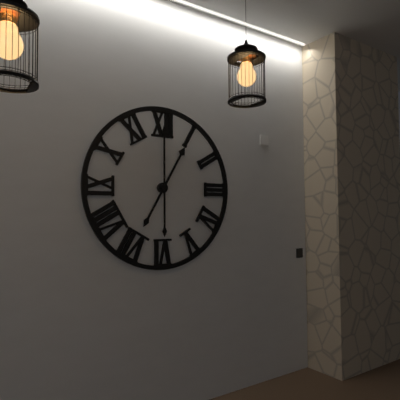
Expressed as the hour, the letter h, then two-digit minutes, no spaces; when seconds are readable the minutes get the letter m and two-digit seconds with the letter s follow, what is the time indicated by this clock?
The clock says 1h00
